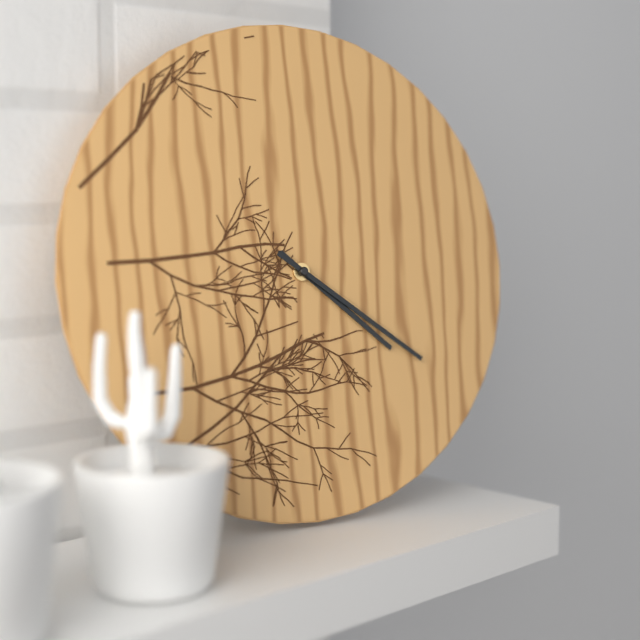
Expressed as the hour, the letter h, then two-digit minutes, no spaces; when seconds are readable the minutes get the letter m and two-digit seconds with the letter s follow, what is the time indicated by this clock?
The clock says 4h21
